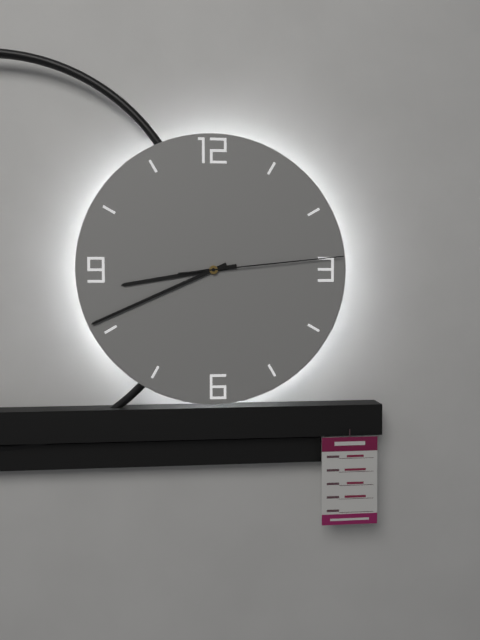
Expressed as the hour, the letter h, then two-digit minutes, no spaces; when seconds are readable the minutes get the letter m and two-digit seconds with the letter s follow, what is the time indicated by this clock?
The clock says 8h41m14s
